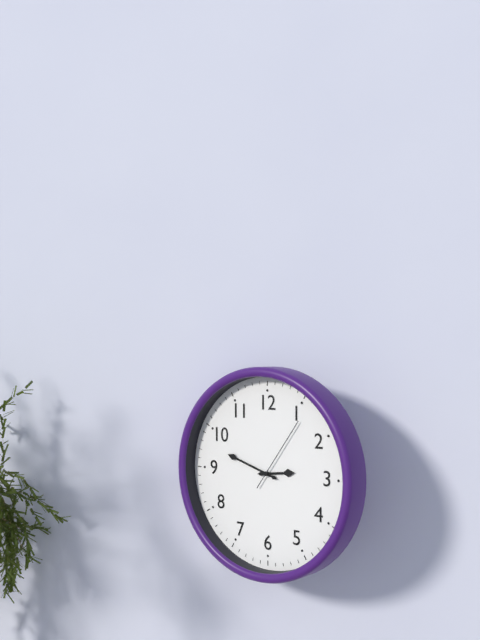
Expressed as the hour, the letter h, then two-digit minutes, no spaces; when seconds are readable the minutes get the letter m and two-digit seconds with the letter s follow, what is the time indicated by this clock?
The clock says 2h48m06s
